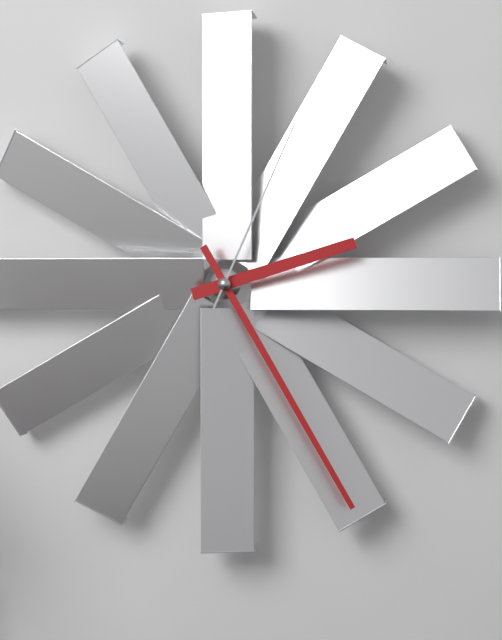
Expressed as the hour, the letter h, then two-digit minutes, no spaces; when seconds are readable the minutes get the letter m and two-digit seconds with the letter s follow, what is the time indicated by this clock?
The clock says 2h25m04s
